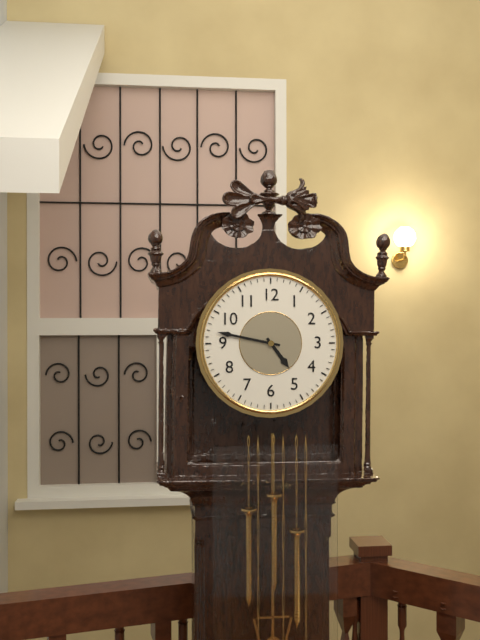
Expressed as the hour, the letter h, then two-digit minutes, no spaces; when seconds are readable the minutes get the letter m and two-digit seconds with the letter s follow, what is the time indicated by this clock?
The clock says 4h47
